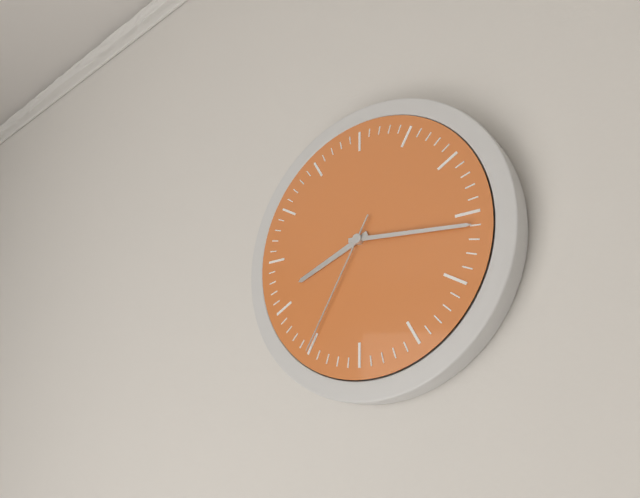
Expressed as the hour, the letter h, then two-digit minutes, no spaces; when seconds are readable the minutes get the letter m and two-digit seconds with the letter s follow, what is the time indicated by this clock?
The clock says 8h16m35s
